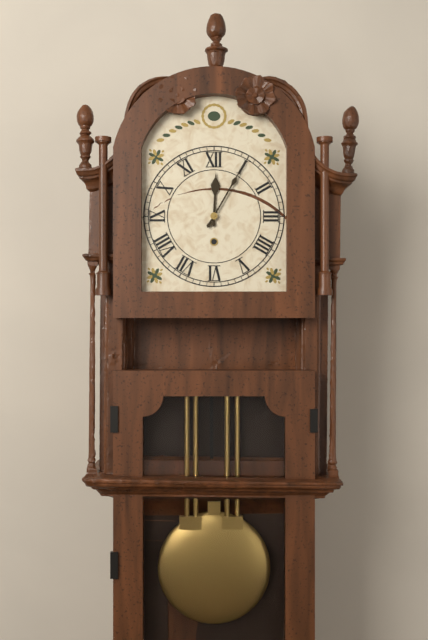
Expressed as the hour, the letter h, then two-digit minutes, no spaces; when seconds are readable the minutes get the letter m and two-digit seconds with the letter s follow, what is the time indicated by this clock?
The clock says 12h05
